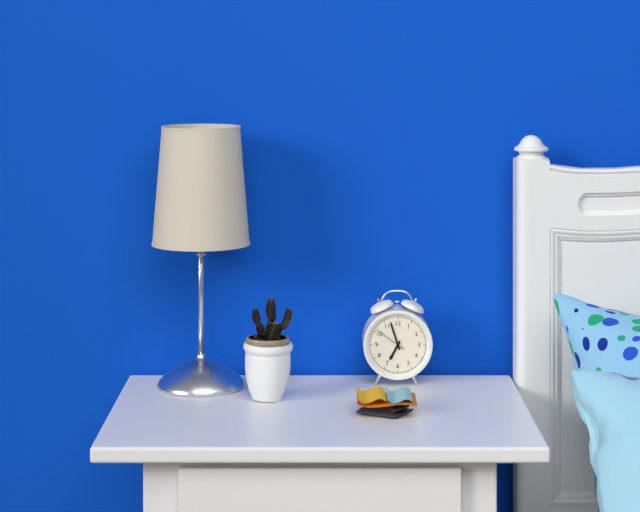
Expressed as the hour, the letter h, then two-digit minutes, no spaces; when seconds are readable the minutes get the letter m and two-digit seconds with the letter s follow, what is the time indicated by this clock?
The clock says 6h57
